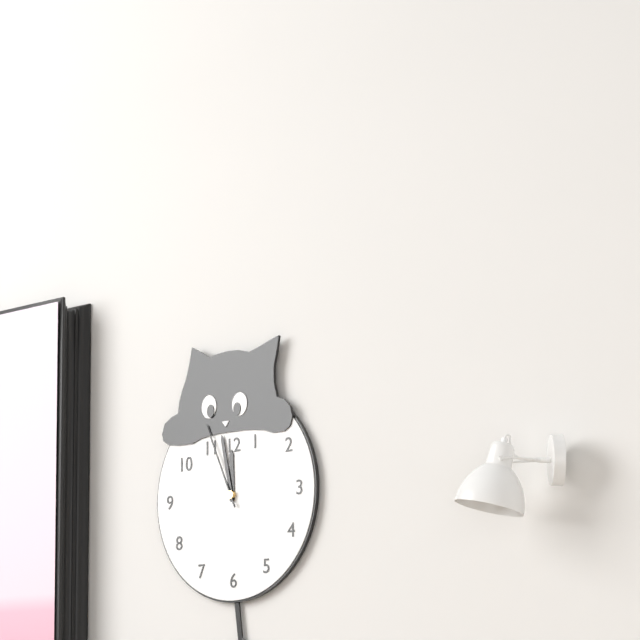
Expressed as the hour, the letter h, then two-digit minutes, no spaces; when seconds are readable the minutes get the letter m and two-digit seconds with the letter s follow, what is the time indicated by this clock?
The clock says 11h58m56s
